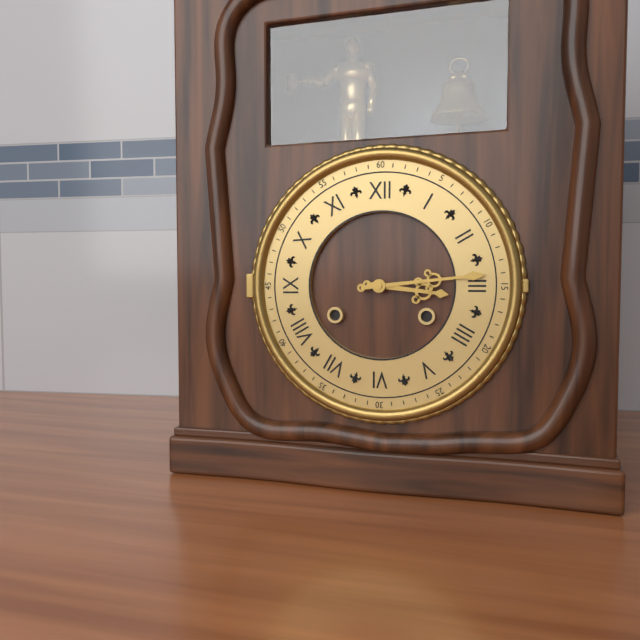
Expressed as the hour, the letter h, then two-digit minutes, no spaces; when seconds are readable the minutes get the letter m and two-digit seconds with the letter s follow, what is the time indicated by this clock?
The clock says 3h14
